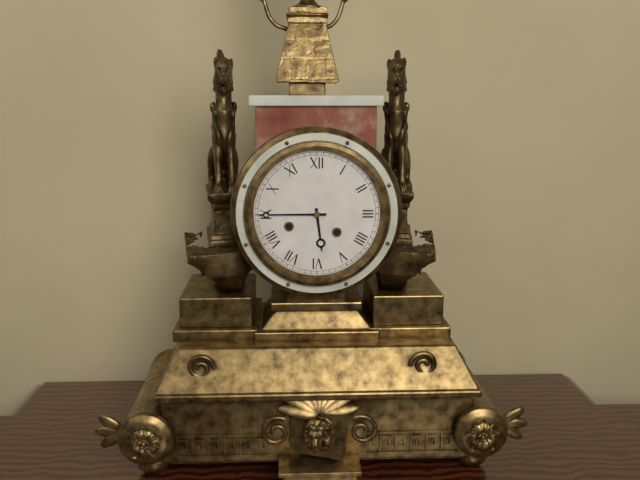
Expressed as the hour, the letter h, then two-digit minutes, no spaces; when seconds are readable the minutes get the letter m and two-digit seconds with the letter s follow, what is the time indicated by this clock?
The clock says 5h45
